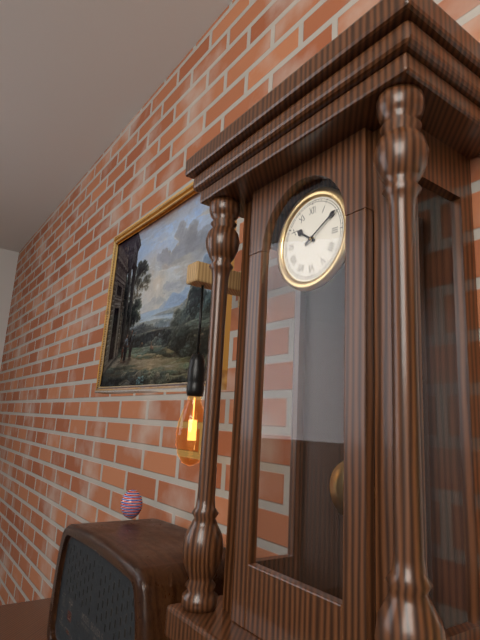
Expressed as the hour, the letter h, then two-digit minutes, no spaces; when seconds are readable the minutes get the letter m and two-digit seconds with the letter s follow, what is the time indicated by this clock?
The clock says 10h10
